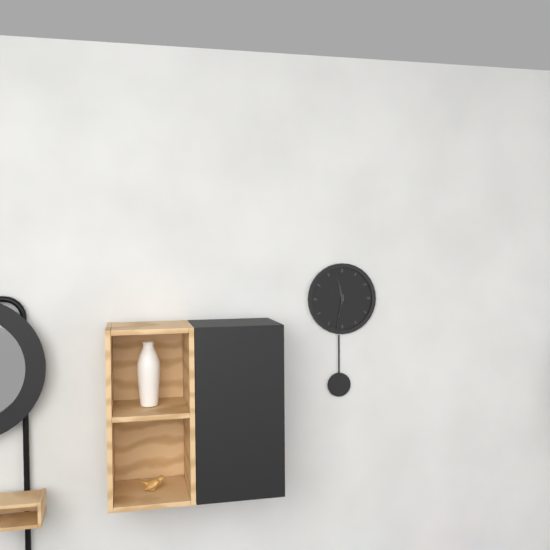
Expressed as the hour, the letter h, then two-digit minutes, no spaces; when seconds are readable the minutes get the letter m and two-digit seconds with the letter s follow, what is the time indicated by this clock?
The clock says 11h32
